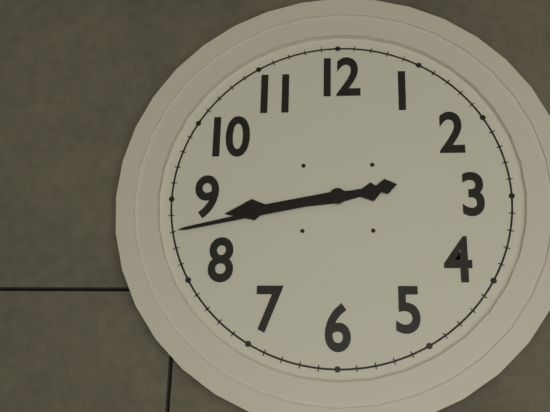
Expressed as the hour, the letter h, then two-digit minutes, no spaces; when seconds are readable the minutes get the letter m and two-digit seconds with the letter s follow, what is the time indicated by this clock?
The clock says 8h43
